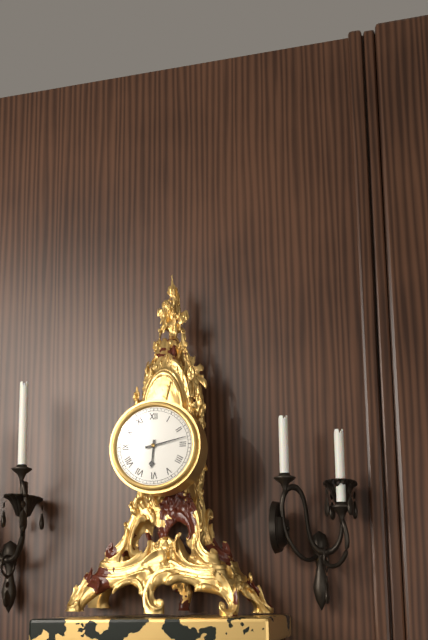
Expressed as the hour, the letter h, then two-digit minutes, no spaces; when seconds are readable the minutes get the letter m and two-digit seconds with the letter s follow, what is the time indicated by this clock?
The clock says 6h13
